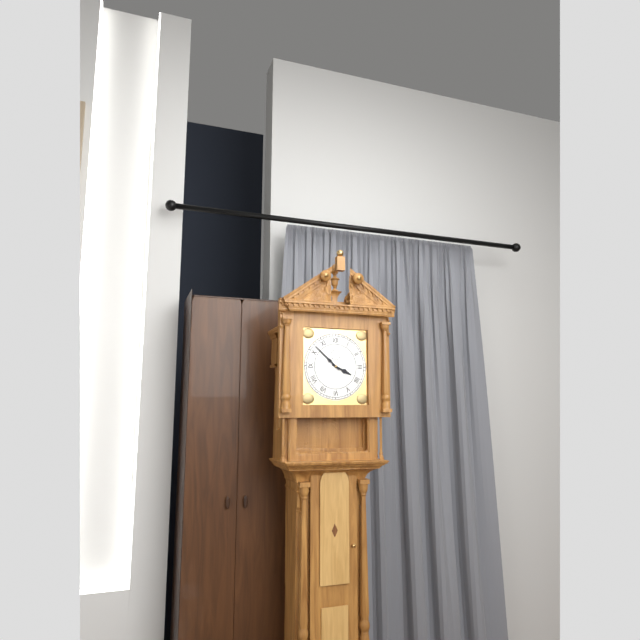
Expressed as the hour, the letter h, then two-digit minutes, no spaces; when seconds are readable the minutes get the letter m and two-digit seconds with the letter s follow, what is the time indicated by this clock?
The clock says 3h52
